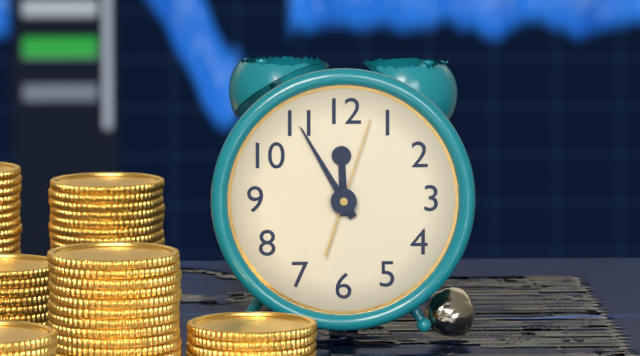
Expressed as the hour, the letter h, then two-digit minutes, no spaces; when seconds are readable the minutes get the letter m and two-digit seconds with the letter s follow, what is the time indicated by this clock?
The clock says 11h55m03s
